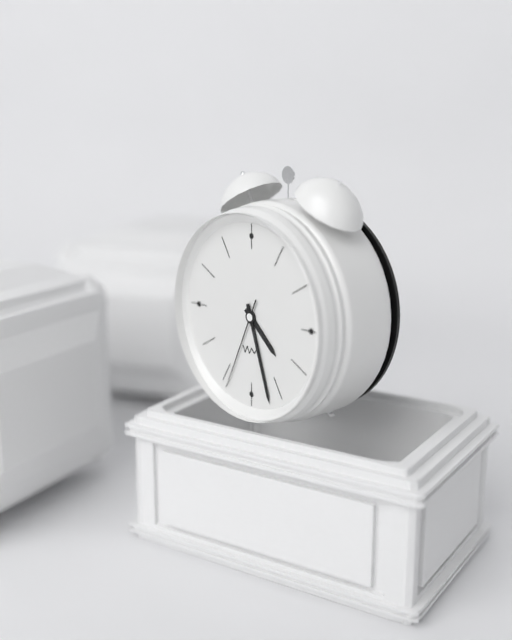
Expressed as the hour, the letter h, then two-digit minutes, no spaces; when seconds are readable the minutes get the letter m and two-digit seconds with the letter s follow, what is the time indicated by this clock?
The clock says 4h27m34s
